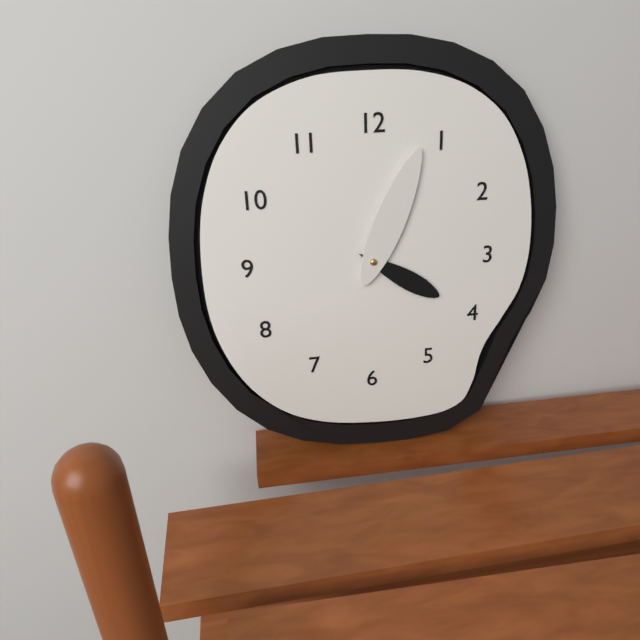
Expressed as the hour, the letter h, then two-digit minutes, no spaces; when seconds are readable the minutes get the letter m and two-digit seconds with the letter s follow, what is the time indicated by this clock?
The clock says 4h04
